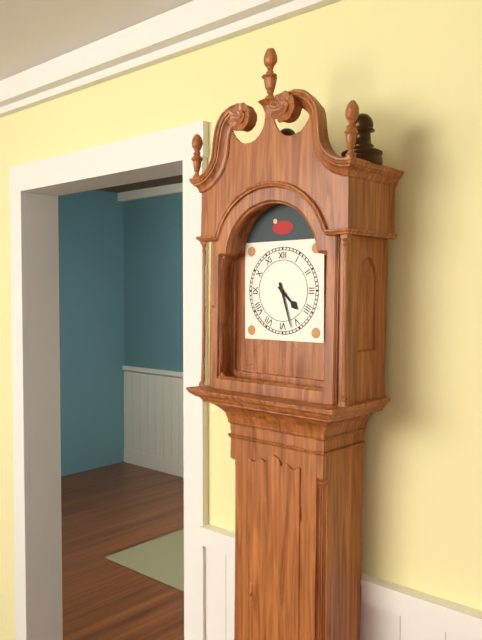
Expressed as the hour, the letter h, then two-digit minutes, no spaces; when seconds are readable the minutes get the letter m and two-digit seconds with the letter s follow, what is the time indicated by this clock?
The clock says 4h27
